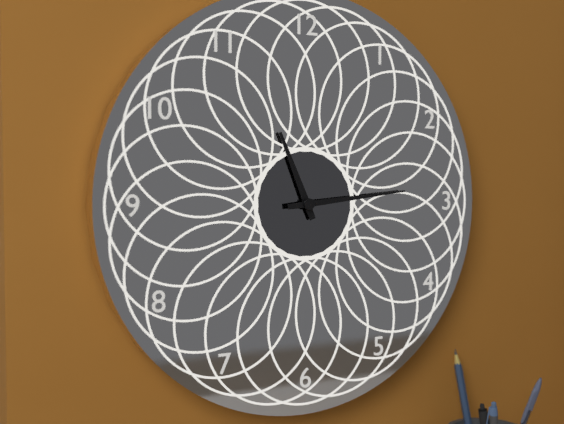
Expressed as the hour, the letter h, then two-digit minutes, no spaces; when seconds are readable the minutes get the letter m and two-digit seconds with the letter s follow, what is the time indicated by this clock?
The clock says 11h14
